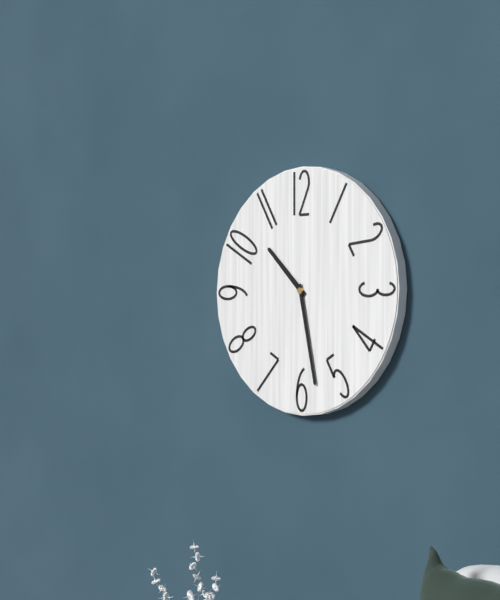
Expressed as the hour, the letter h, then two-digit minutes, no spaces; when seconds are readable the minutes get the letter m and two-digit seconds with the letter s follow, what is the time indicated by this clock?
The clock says 10h28
